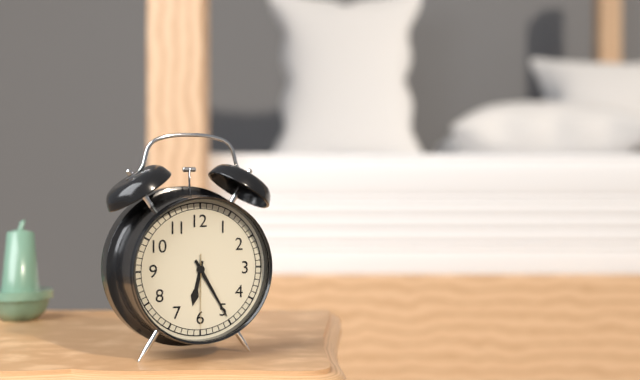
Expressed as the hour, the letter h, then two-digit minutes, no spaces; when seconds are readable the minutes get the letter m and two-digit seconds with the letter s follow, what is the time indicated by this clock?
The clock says 6h25m30s
